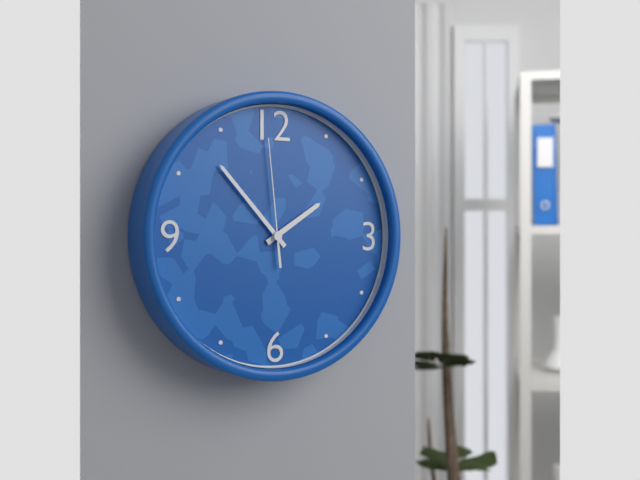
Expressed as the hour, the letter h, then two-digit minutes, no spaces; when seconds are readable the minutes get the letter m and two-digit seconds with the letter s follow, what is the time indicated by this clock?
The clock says 1h53m59s
